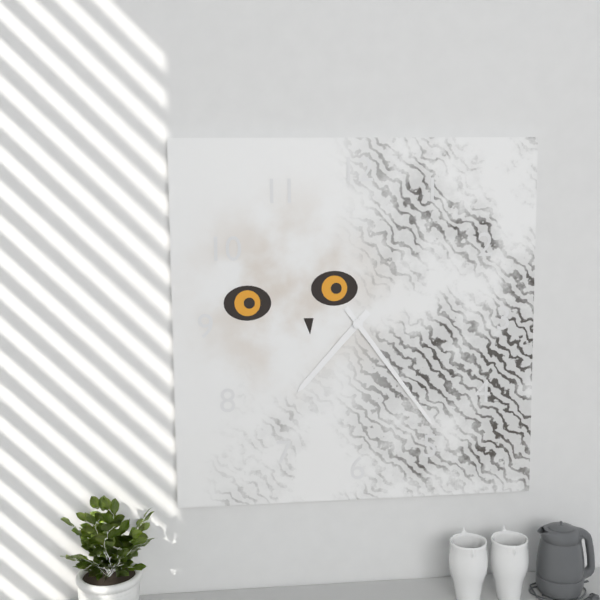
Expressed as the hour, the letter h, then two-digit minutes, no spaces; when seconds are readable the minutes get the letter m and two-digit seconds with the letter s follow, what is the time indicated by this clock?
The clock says 7h24
